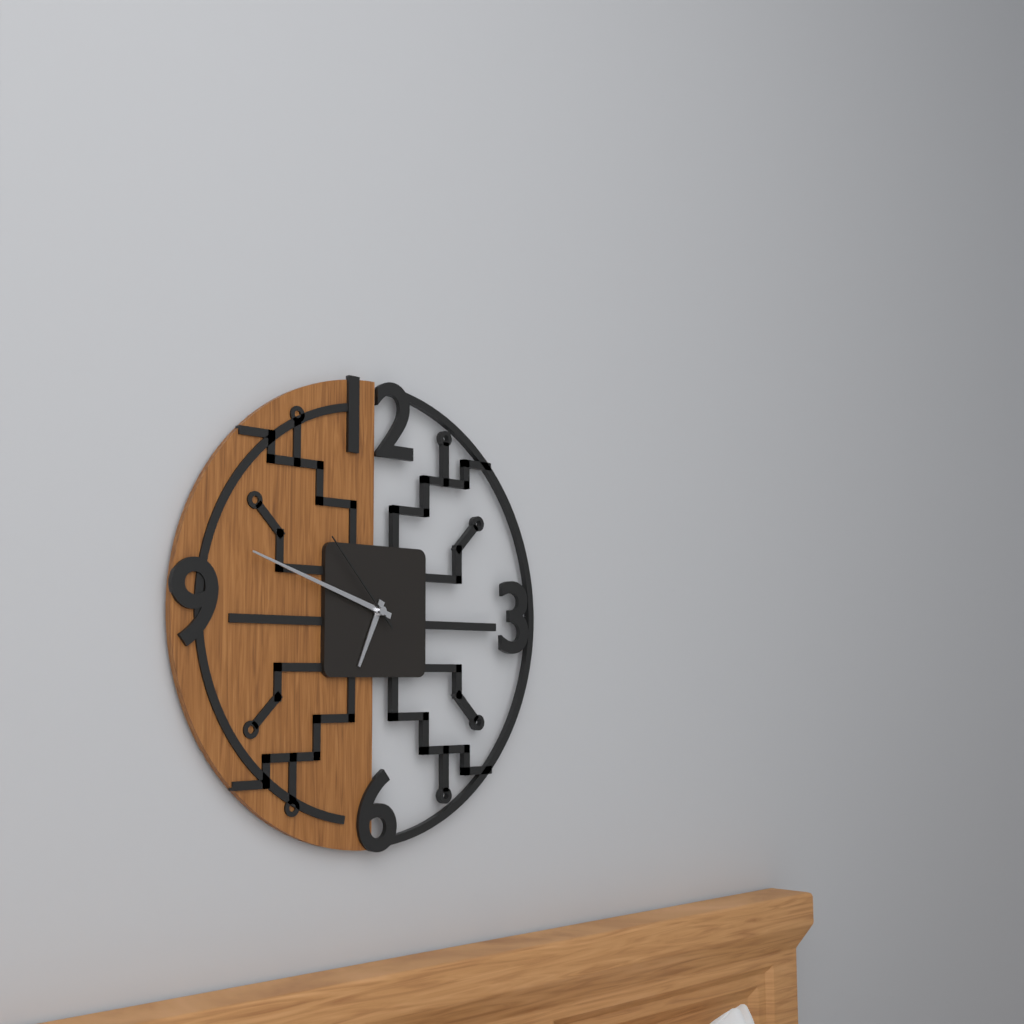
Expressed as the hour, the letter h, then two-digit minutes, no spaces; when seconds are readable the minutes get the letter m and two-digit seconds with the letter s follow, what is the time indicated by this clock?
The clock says 6h48m53s
